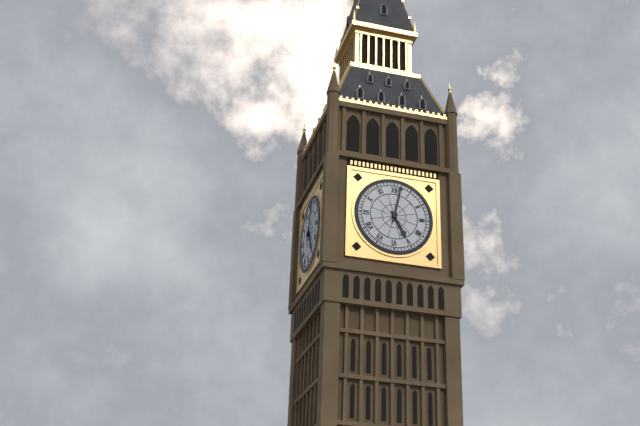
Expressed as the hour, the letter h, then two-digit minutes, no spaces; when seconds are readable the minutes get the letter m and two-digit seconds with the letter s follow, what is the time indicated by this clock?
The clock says 5h02
